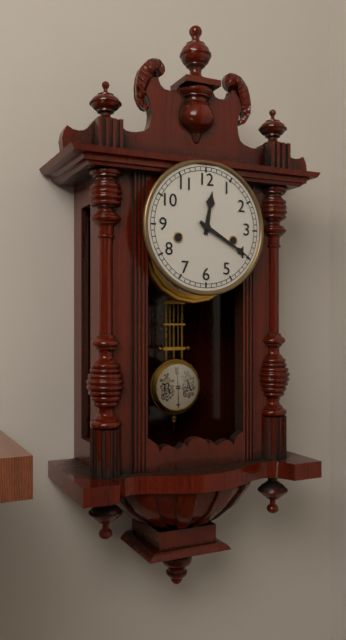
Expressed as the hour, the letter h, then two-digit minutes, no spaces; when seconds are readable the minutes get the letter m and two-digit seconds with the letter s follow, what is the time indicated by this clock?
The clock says 12h20
